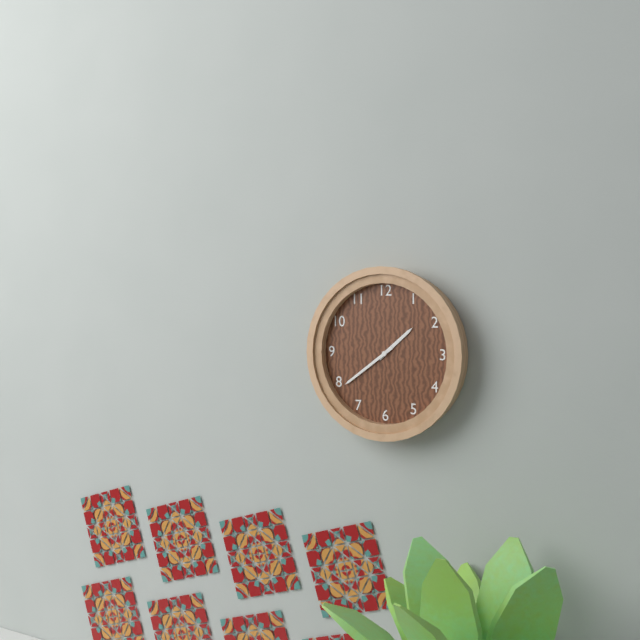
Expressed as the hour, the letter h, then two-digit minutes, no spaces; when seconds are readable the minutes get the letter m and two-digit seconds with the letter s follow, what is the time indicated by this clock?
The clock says 1h39
